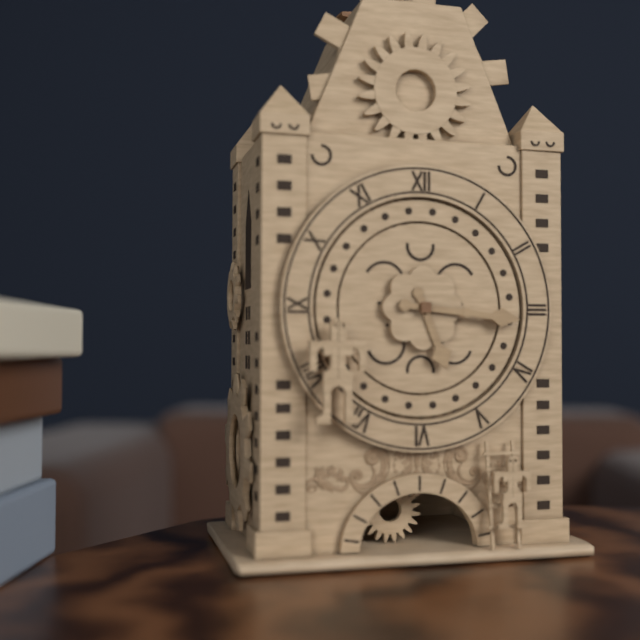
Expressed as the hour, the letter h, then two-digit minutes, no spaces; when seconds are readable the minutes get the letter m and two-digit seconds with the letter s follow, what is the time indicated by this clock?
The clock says 5h16
